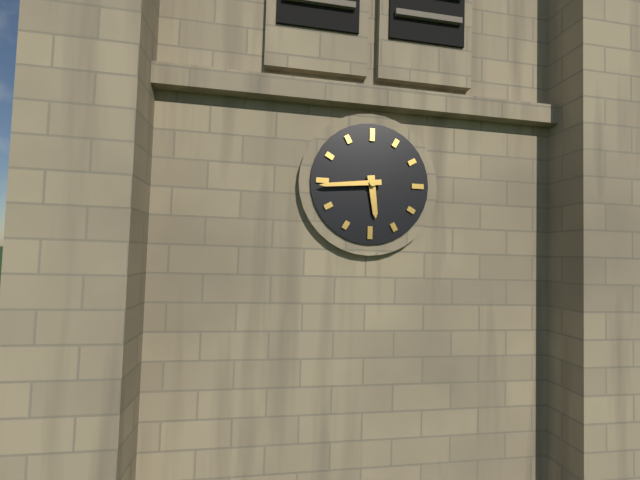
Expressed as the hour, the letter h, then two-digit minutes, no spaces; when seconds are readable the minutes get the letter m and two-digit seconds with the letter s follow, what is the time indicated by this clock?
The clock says 5h44
